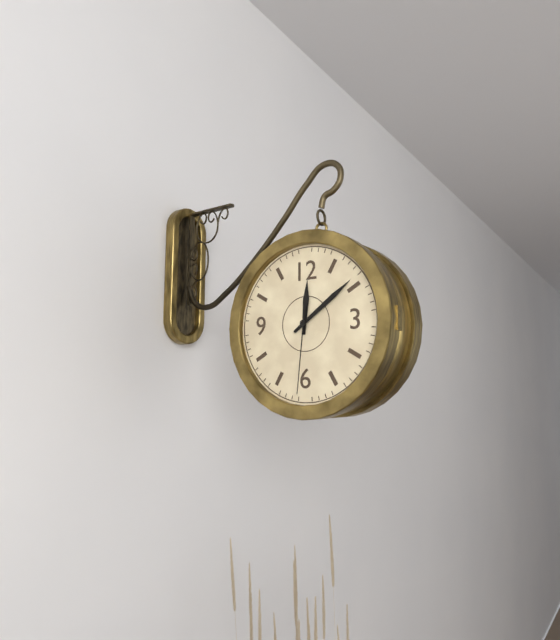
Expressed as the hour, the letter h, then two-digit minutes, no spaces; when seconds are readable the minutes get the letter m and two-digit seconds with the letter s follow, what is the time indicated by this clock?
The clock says 12h09m31s
